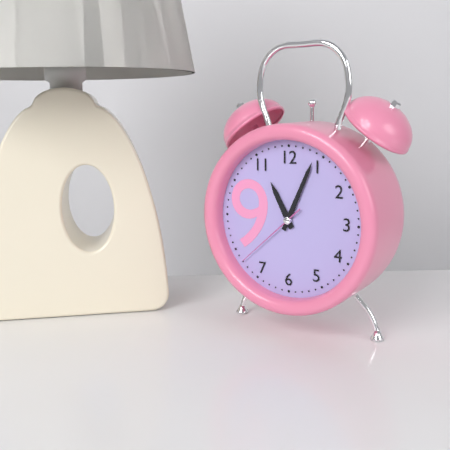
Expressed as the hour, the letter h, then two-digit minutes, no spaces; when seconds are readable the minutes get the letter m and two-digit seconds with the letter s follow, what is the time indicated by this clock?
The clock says 11h04m38s
